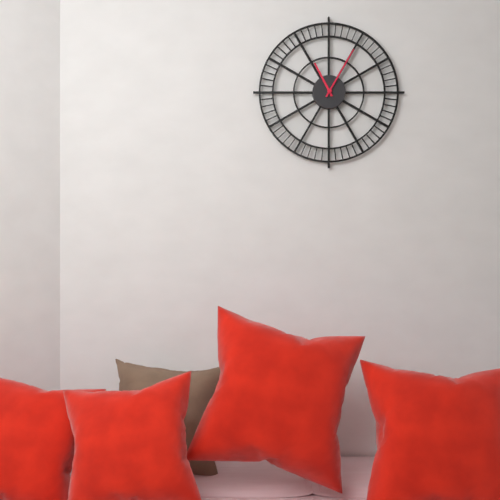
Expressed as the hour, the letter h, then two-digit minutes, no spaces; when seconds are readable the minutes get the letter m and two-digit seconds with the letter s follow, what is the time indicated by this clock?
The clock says 11h05
